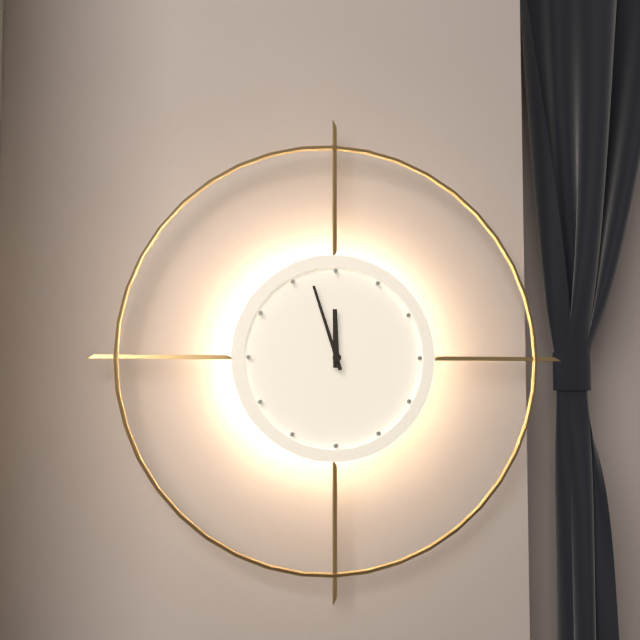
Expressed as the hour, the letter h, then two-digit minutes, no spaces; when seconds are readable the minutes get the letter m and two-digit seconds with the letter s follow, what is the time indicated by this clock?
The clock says 11h57
